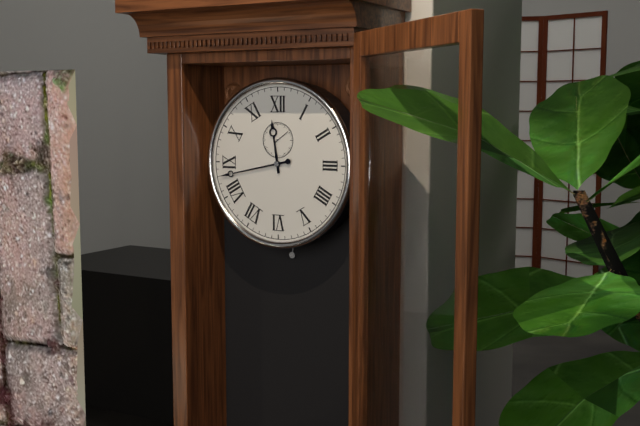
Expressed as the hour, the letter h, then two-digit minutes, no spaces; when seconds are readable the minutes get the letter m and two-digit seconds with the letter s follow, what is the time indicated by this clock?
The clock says 11h43
